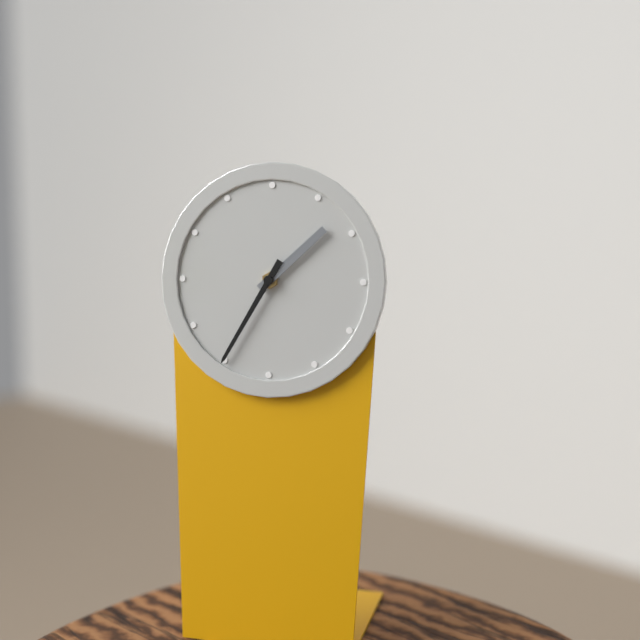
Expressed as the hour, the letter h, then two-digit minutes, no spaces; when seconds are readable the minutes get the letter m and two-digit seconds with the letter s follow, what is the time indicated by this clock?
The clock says 1h35
